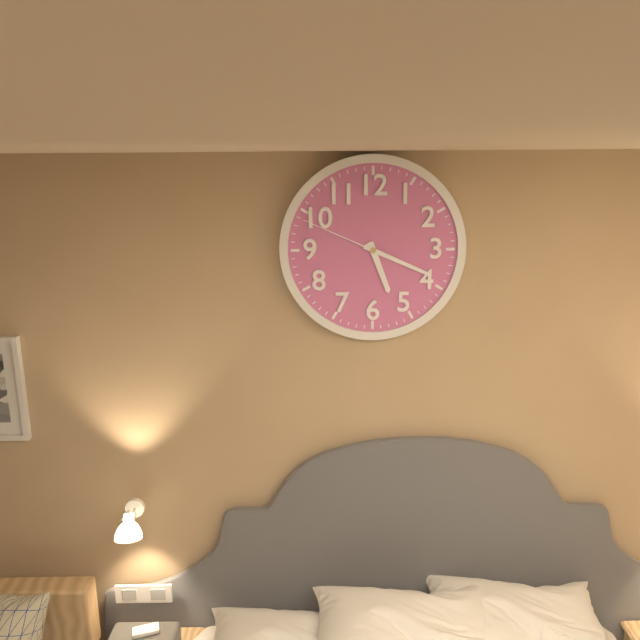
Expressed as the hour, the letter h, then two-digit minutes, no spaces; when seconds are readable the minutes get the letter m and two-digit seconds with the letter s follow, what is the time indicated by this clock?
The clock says 5h19m49s
